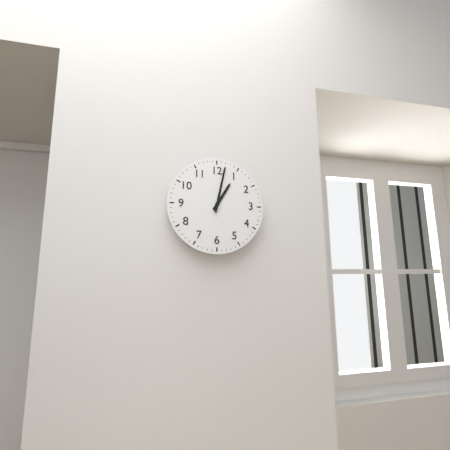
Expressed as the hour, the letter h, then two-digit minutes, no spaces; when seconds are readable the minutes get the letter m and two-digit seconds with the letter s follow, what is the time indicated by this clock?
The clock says 1h02
